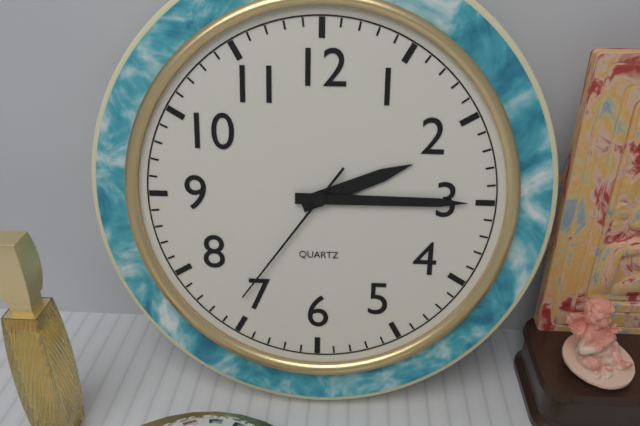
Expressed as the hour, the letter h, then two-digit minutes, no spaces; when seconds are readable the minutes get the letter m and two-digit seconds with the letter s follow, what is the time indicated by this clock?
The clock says 2h15m36s
